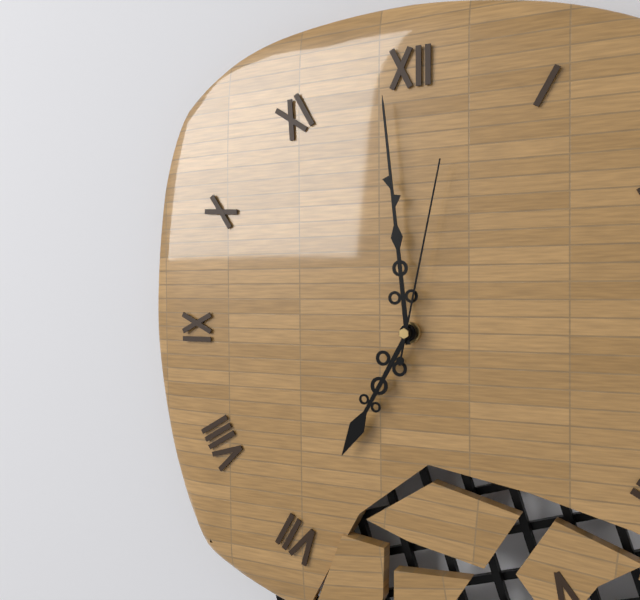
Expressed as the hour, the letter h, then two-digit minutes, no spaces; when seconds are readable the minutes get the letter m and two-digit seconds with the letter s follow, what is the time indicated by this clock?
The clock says 6h59m02s
